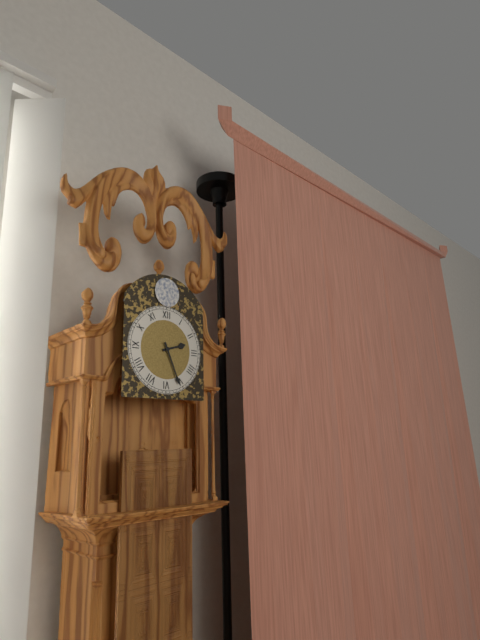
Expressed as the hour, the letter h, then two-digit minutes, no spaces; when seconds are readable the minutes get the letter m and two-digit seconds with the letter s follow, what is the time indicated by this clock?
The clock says 2h26
